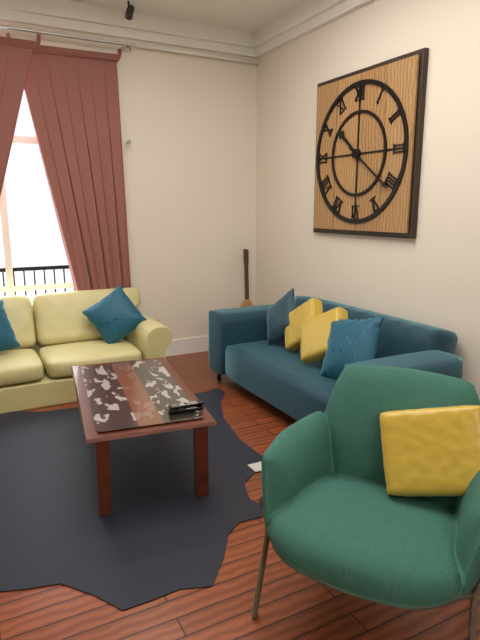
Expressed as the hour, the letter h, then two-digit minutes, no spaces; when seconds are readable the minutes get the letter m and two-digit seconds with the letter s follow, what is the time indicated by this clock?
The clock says 10h21
